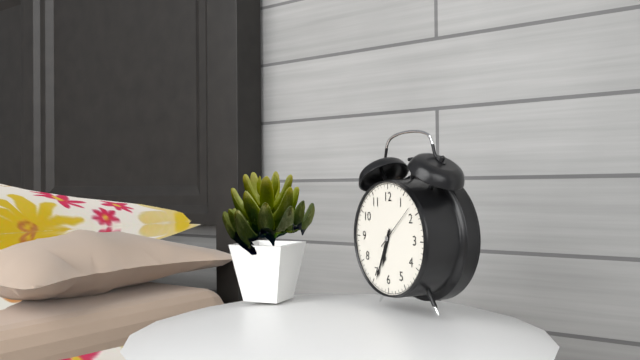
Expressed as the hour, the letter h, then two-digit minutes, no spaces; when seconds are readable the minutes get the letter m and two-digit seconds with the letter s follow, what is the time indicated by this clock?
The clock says 6h34
